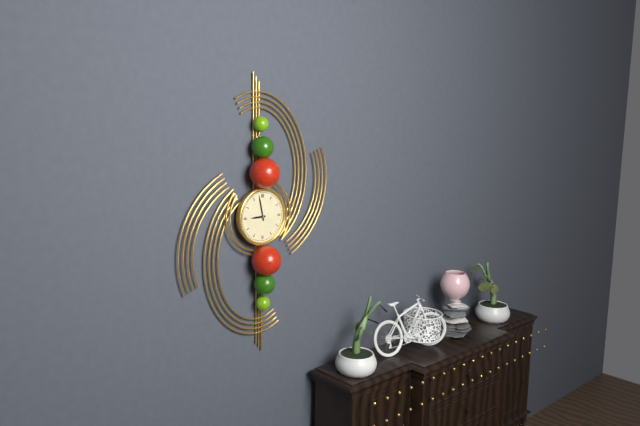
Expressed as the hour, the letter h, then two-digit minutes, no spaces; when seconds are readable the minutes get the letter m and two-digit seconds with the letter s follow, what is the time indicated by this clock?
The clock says 8h58
